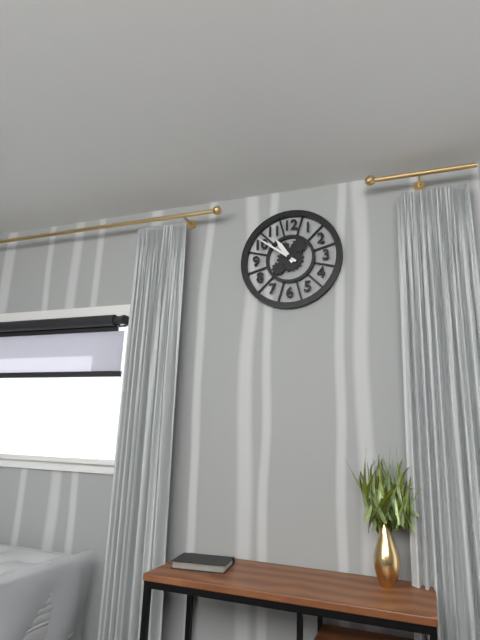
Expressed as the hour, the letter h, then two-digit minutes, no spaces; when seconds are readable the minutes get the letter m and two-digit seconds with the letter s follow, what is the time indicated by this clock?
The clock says 10h51
